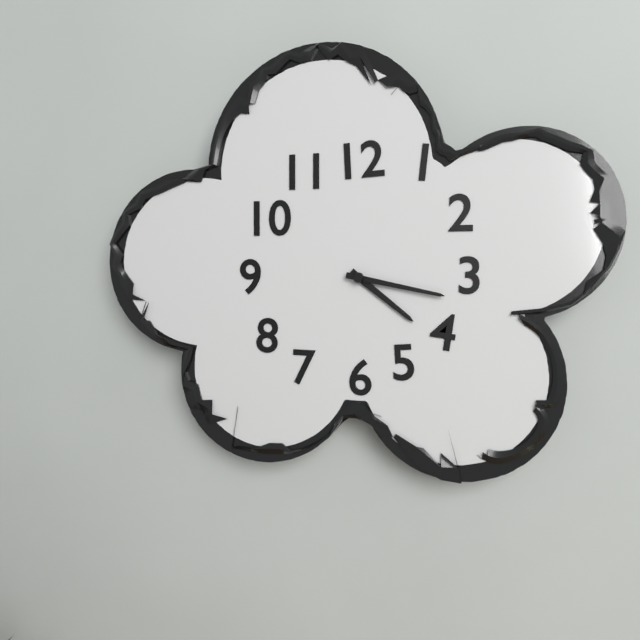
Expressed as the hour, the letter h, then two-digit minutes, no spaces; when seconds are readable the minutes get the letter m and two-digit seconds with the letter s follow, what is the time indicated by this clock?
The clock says 4h17
